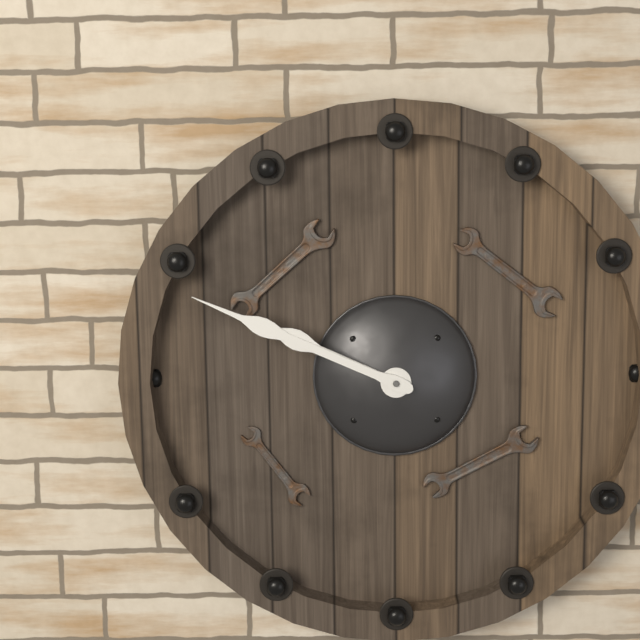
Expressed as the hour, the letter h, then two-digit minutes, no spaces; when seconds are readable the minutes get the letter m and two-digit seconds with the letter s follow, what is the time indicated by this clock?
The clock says 9h49
